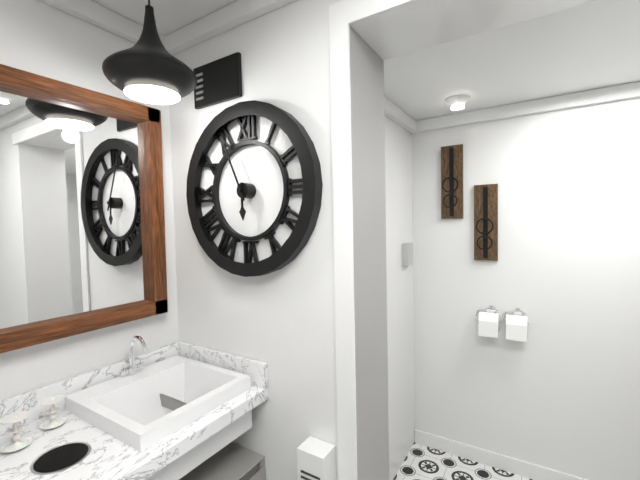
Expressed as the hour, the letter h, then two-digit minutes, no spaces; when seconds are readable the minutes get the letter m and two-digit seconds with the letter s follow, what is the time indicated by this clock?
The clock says 5h56
